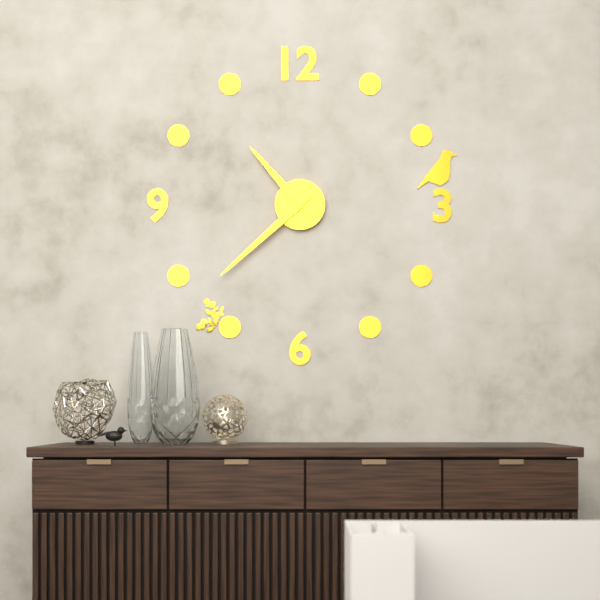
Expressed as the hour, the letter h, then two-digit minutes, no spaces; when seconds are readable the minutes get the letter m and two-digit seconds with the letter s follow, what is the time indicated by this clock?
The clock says 10h38
